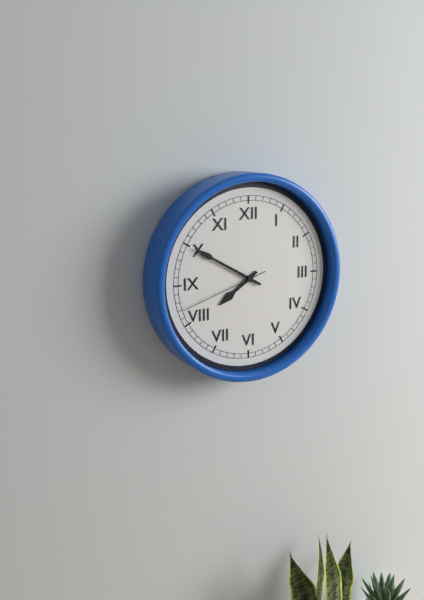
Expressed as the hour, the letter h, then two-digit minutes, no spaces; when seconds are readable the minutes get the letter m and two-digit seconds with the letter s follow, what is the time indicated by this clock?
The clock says 7h50m42s
